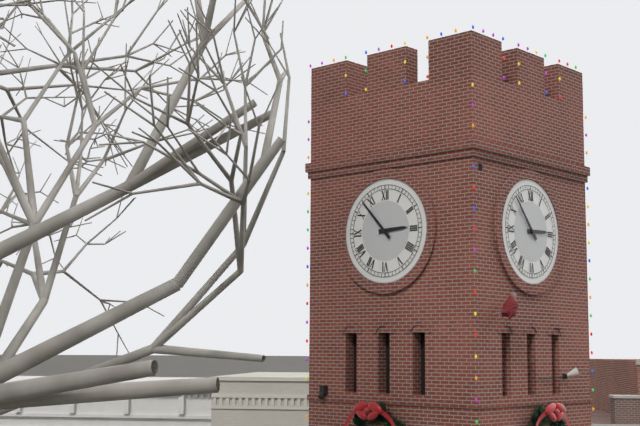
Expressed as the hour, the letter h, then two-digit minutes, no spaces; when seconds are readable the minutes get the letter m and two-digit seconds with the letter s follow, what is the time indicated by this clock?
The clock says 2h53
